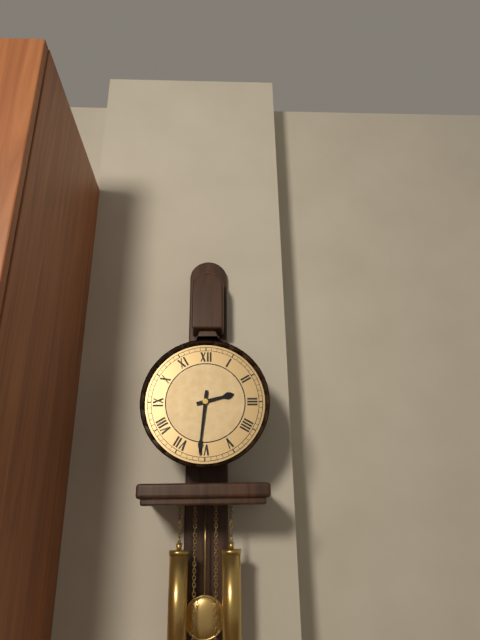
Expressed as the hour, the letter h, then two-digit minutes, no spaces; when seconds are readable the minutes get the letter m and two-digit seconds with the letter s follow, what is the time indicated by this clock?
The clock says 2h31
